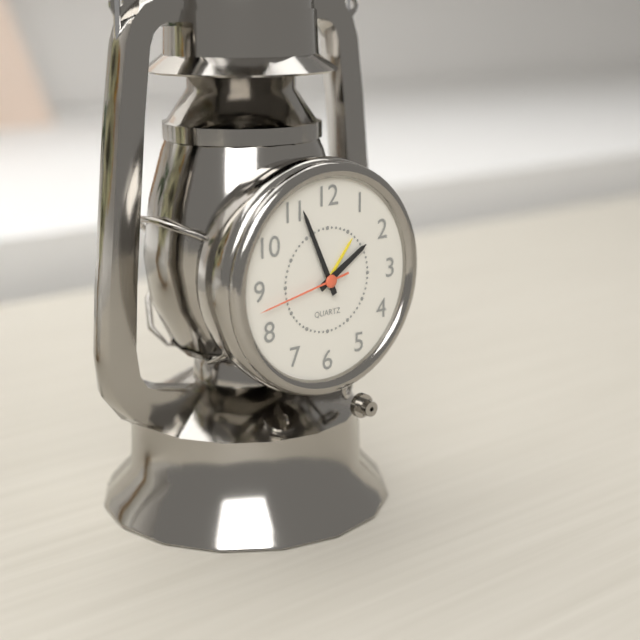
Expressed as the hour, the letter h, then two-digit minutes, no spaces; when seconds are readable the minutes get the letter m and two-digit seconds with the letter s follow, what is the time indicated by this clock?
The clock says 1h56m43s
